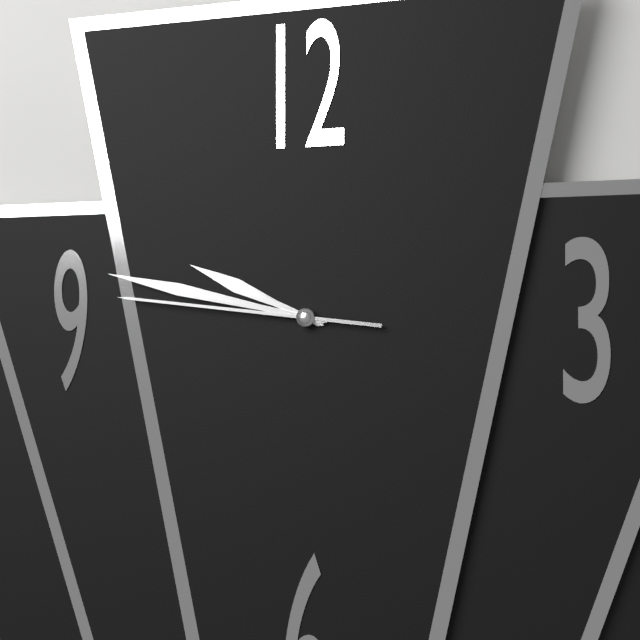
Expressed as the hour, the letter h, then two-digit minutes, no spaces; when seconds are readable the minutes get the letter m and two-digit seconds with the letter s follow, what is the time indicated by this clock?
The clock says 9h47m46s
